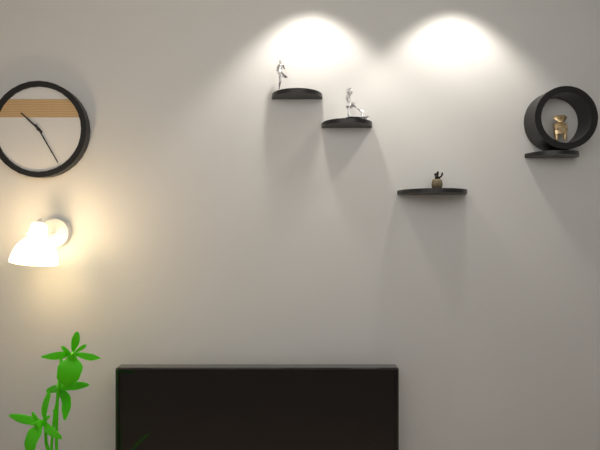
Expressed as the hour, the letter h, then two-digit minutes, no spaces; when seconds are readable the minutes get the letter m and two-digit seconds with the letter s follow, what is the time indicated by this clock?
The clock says 10h25
